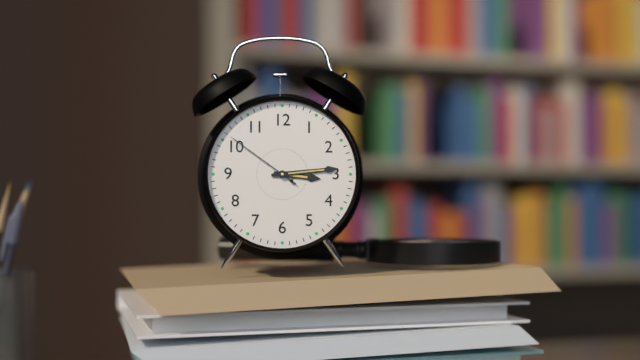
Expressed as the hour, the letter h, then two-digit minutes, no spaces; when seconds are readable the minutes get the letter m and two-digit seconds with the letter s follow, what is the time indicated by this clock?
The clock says 3h14m51s
